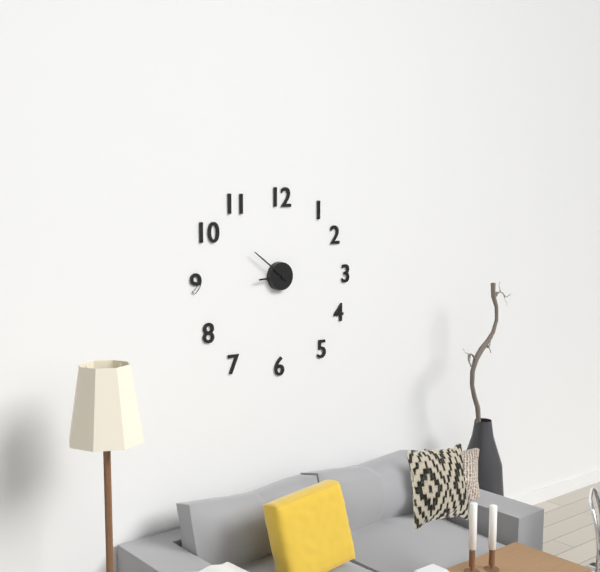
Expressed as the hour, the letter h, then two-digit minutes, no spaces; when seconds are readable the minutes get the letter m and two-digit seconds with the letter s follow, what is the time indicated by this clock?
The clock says 8h51
